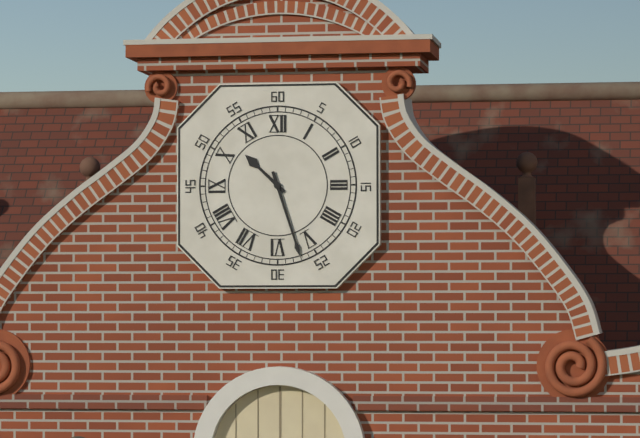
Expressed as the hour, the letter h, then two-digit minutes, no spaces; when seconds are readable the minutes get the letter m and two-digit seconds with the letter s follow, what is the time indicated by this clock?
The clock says 10h27
